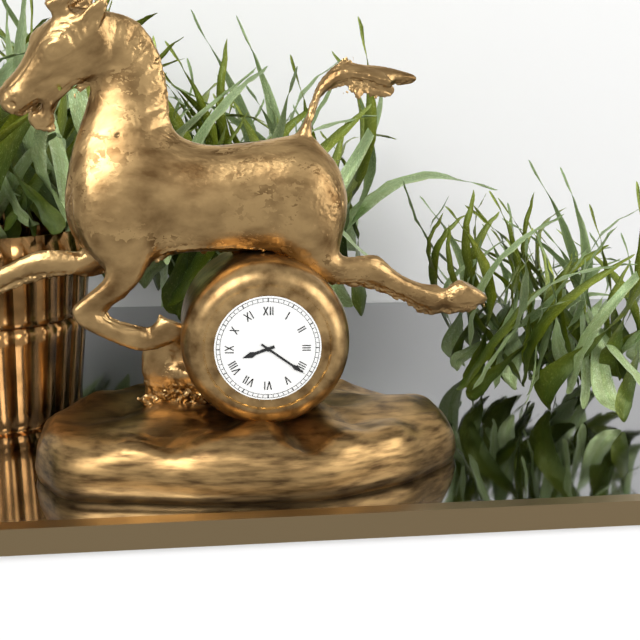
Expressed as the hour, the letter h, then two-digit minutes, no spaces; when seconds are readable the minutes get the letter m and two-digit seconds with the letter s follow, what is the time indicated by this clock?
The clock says 8h21
